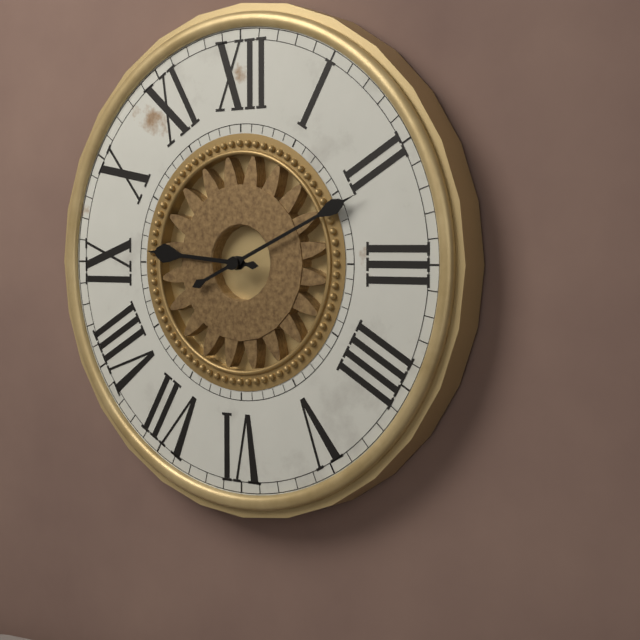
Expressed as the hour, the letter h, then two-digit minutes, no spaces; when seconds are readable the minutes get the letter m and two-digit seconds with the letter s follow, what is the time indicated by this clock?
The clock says 9h11
